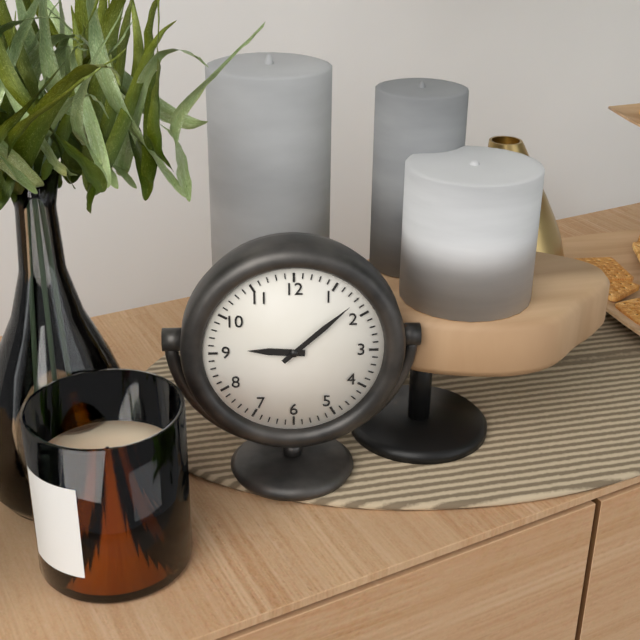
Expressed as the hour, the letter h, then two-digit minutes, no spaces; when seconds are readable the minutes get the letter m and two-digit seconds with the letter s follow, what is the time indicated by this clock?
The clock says 9h08
